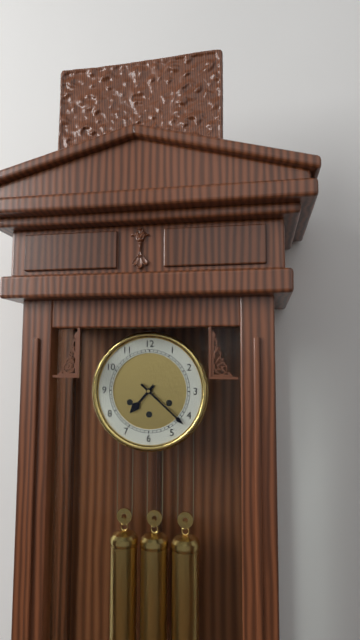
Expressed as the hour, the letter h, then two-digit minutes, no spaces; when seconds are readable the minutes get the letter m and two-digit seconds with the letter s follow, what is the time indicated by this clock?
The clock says 7h22
